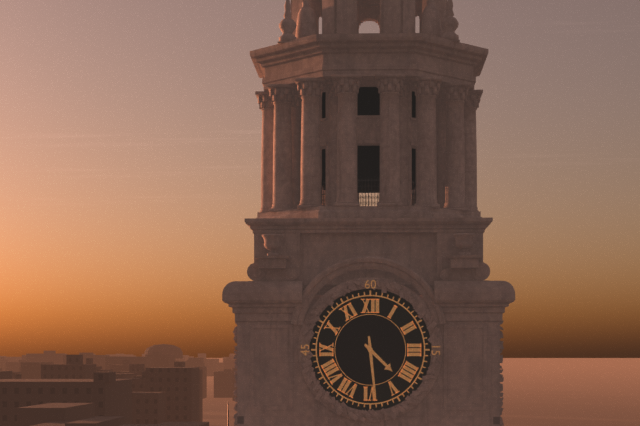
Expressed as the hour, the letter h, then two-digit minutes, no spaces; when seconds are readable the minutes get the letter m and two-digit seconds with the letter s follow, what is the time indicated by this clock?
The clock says 4h29
